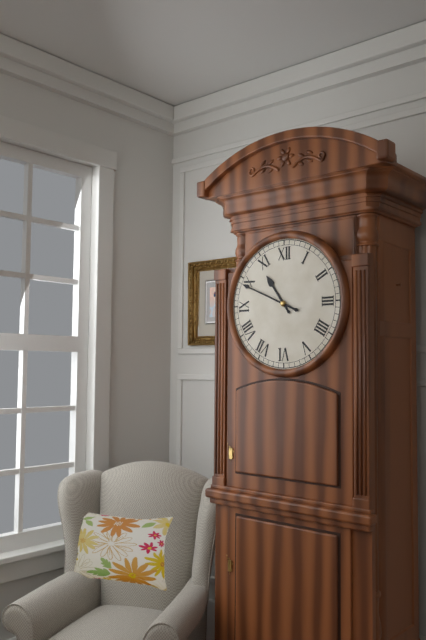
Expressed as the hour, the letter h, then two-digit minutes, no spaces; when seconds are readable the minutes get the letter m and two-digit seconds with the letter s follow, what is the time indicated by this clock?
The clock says 10h49
